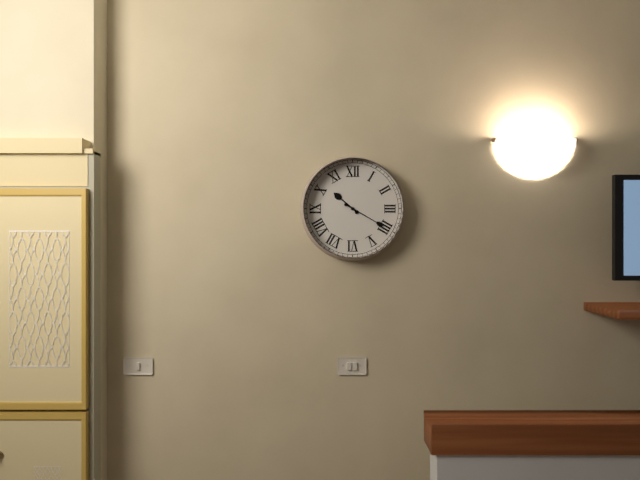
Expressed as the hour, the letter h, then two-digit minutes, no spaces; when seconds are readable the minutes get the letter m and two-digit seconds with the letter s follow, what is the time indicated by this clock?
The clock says 10h20
